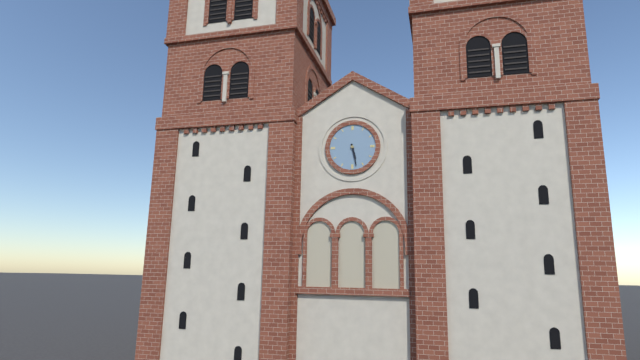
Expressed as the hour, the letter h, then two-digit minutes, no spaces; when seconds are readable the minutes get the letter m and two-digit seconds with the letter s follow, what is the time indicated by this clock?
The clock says 5h28
